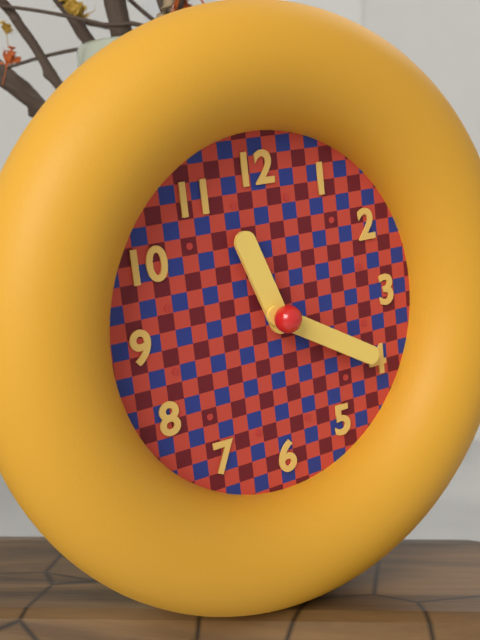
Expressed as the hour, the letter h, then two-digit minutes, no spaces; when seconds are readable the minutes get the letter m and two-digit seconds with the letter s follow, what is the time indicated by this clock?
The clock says 11h20
